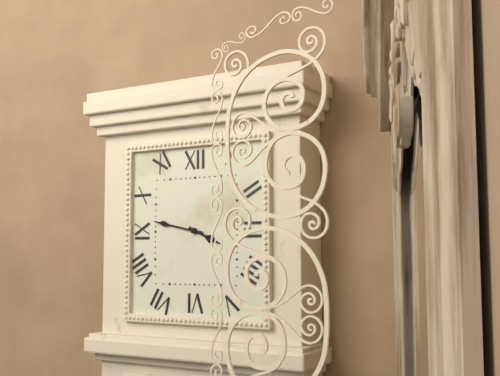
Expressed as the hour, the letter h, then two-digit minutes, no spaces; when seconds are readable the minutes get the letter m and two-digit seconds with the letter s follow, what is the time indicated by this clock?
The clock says 3h47
